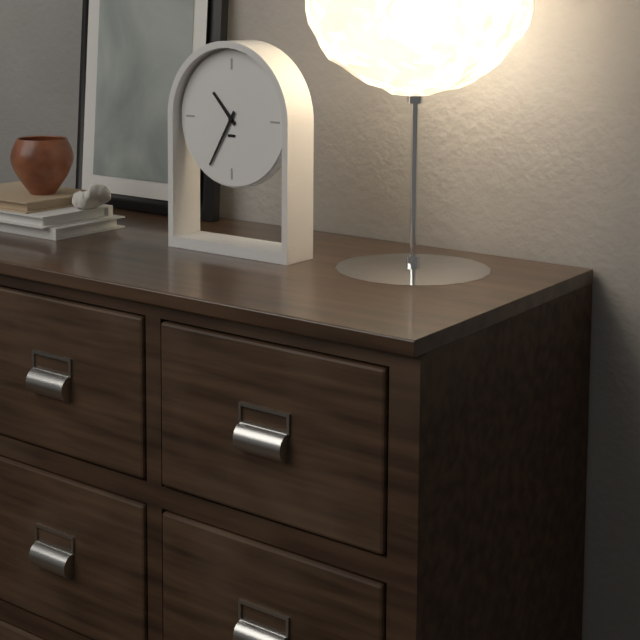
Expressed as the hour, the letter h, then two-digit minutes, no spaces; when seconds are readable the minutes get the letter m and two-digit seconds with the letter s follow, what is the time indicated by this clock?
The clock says 10h35
